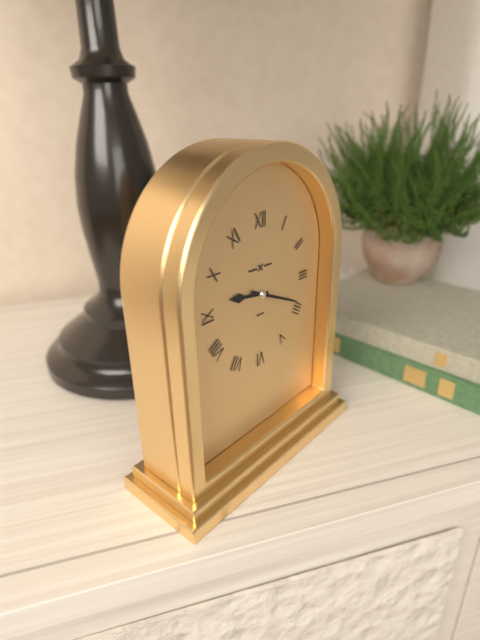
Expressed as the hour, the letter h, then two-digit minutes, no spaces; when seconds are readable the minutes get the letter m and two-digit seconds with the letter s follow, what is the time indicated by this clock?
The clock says 9h19
